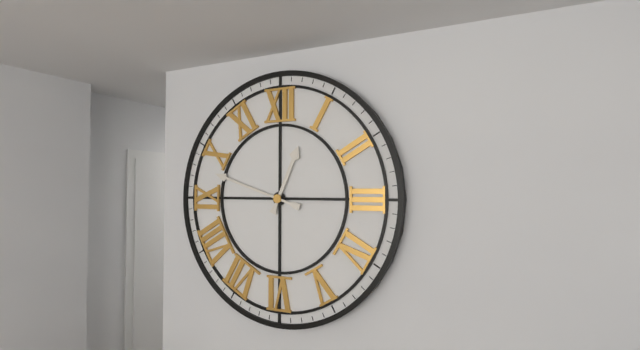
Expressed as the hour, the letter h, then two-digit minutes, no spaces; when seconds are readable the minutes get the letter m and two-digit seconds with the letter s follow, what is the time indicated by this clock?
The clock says 12h48
